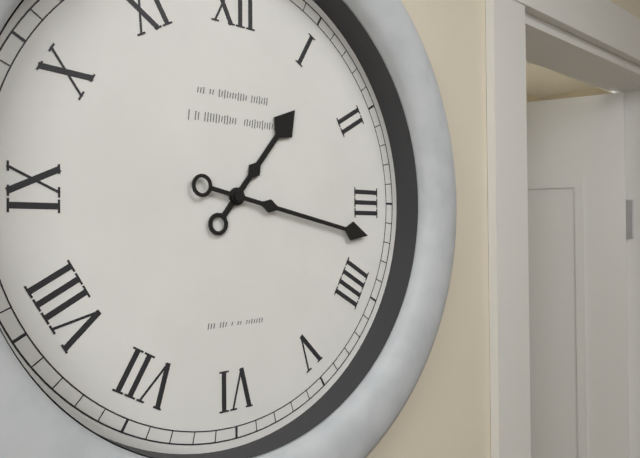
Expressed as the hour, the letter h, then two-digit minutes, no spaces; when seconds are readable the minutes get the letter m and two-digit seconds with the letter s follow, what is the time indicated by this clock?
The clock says 1h17
